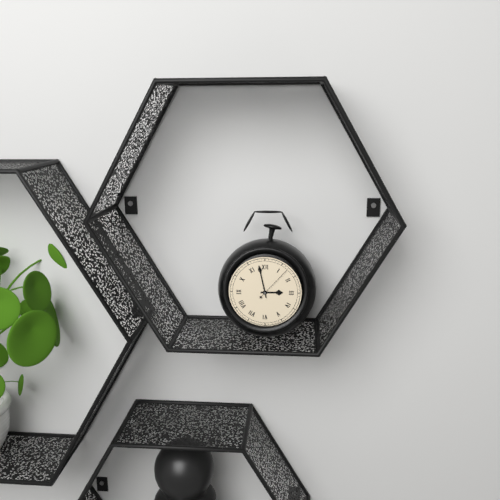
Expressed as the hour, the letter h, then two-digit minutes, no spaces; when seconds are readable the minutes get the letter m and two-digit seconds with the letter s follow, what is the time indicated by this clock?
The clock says 2h58
